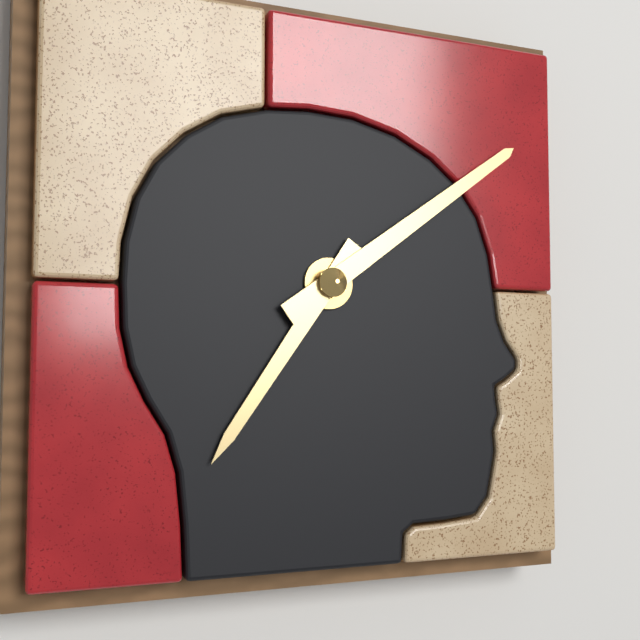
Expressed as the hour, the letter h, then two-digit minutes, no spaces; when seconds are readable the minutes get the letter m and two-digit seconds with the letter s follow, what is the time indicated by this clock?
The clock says 7h09
